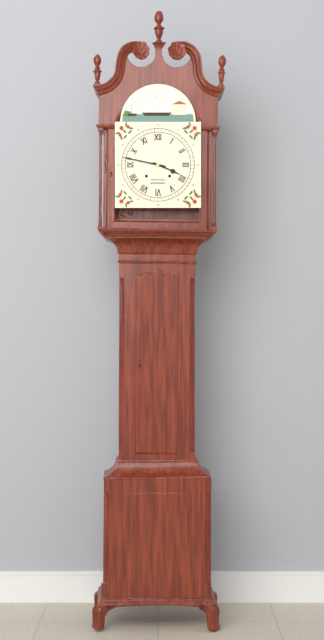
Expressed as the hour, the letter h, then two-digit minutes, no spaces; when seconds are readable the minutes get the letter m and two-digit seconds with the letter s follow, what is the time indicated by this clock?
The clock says 3h47
